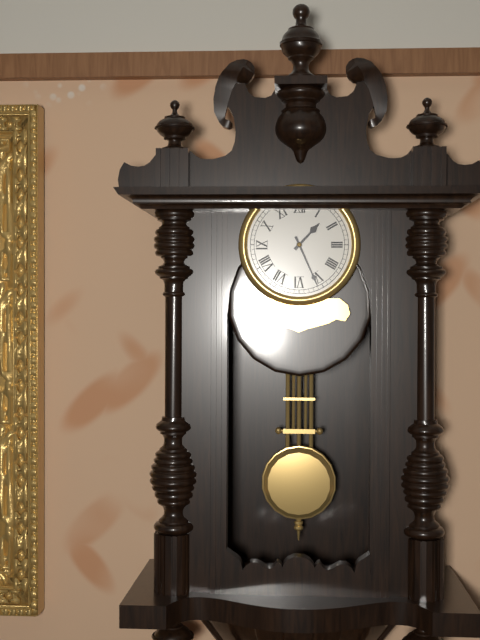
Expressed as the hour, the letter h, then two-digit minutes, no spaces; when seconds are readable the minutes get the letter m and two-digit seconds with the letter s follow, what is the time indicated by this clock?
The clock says 1h26
